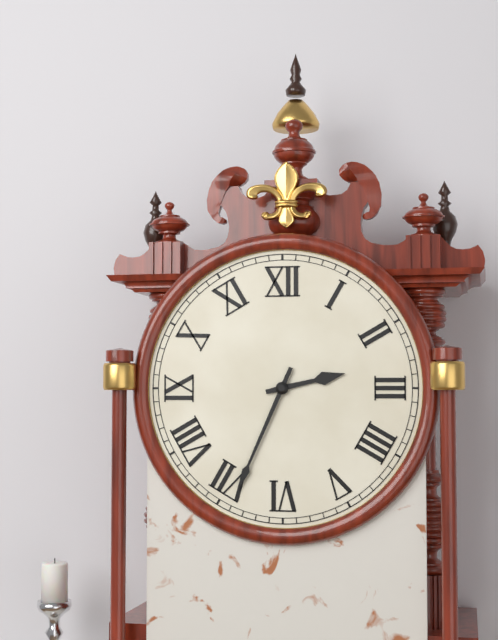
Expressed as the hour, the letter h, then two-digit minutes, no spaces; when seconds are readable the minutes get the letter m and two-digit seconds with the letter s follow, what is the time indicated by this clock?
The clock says 2h34
